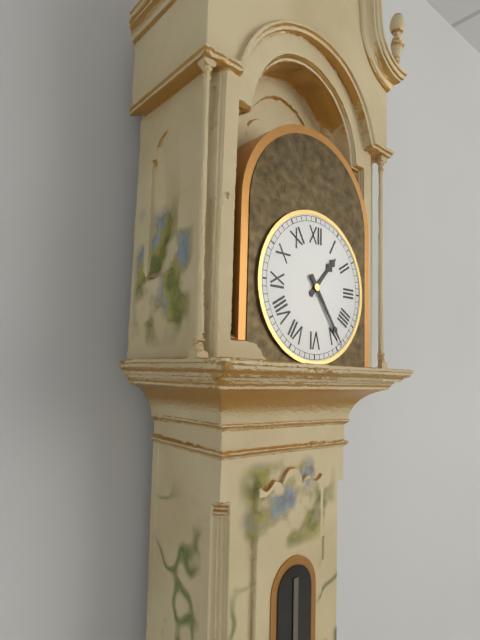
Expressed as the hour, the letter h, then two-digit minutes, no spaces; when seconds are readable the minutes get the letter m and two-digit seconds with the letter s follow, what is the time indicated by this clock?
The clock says 1h24
